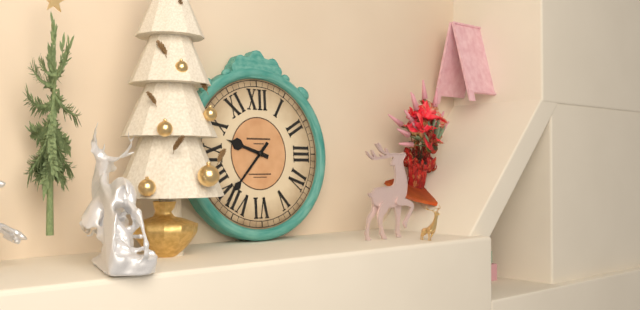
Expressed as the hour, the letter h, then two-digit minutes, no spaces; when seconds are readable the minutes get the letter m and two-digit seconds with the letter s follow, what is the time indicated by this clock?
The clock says 9h37
